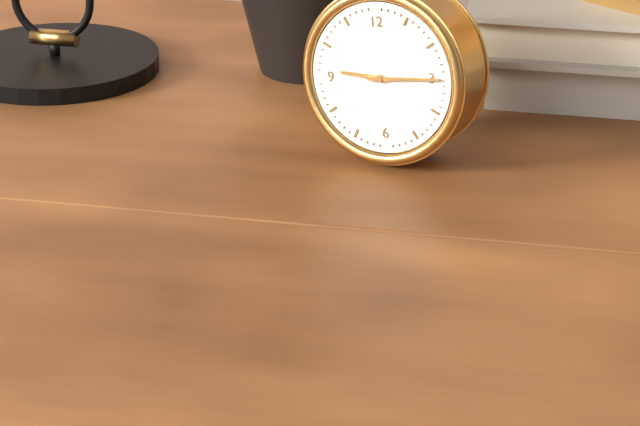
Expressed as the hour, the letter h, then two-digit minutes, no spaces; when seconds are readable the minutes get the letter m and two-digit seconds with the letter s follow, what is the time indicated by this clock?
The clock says 9h15
